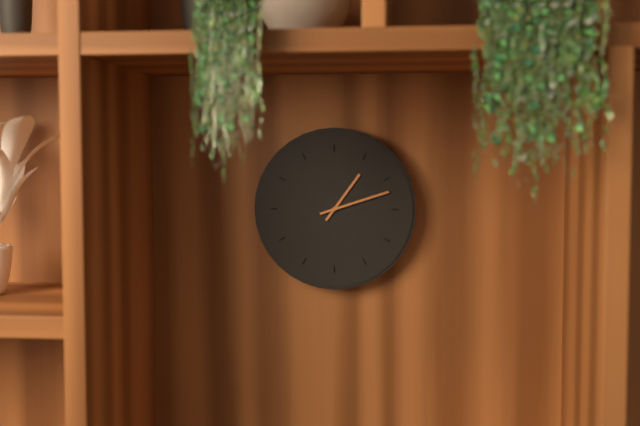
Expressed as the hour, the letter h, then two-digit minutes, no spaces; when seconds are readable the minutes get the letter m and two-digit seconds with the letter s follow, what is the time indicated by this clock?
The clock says 1h12
